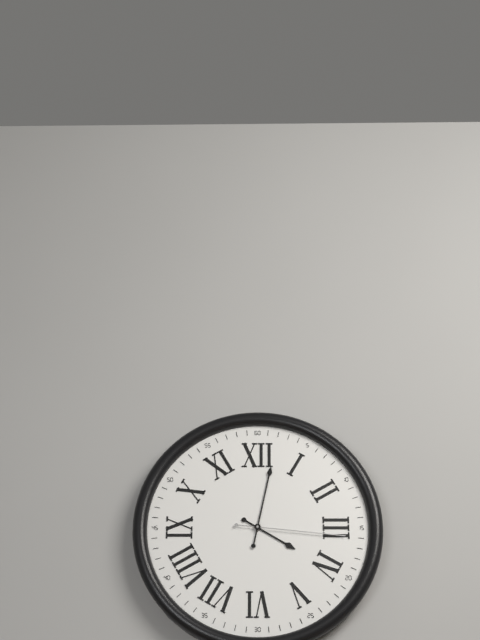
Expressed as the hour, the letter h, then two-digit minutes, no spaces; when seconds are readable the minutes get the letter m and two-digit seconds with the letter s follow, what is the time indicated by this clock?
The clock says 4h02m16s
